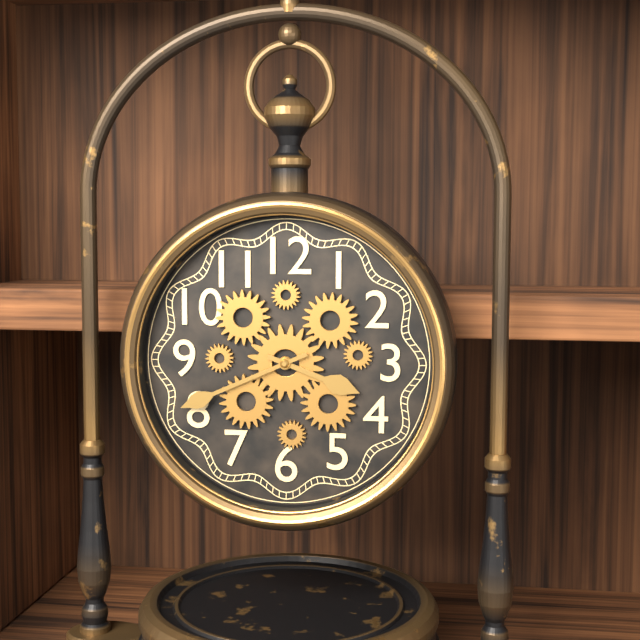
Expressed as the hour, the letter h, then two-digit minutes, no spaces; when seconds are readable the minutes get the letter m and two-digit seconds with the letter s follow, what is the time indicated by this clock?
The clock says 3h41
